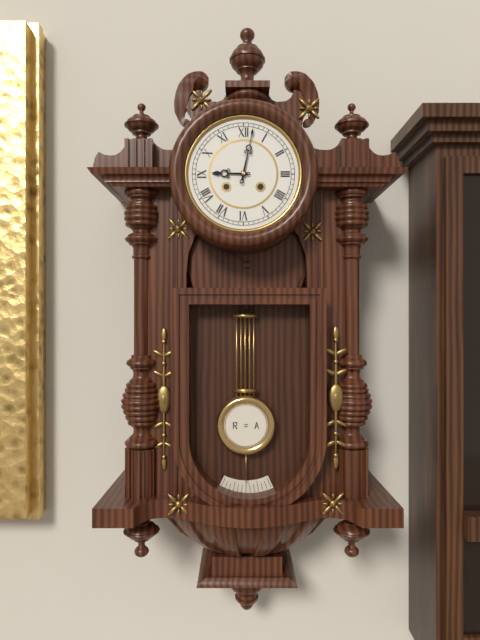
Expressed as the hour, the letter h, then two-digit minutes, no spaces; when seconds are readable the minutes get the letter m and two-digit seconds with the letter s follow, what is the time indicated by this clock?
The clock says 9h02
